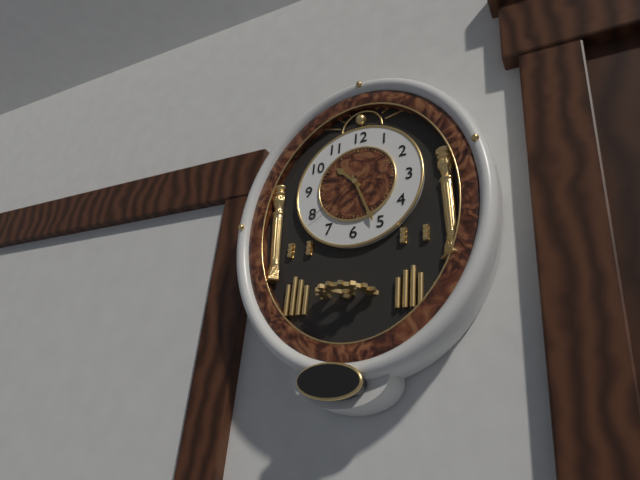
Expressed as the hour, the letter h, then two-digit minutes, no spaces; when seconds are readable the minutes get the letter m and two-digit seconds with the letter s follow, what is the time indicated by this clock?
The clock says 10h26m39s
